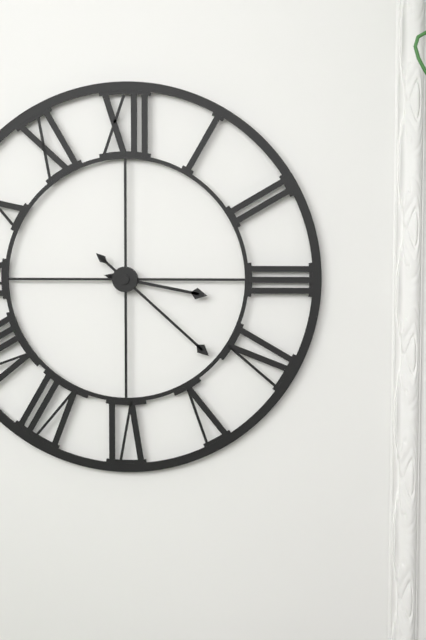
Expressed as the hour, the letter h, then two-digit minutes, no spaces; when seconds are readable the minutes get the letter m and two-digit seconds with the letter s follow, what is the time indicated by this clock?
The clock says 3h22
